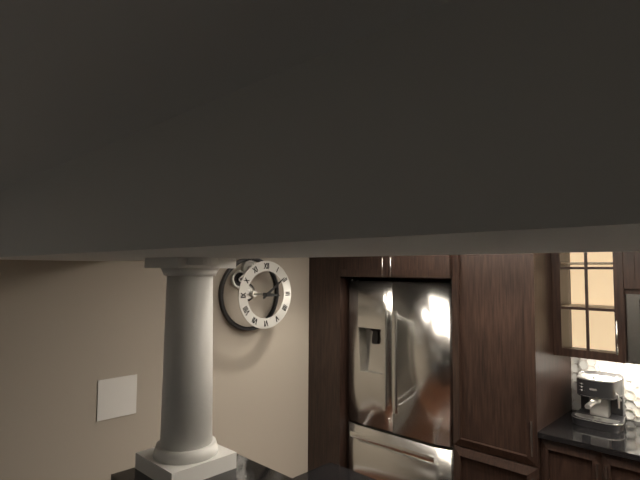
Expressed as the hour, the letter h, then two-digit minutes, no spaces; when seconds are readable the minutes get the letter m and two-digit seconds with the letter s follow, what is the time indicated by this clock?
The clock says 3h09
